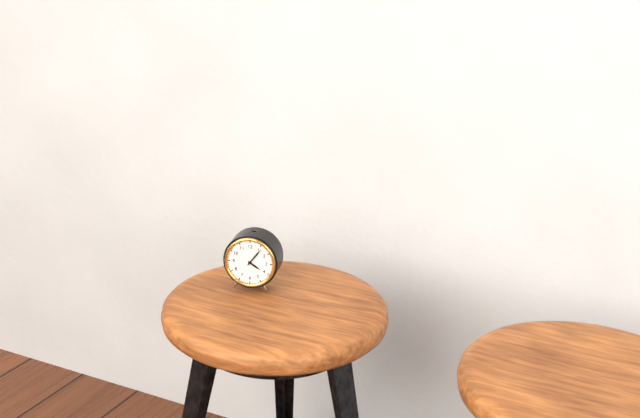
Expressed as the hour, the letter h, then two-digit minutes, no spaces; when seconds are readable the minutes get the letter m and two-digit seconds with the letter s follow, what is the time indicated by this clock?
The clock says 4h06
